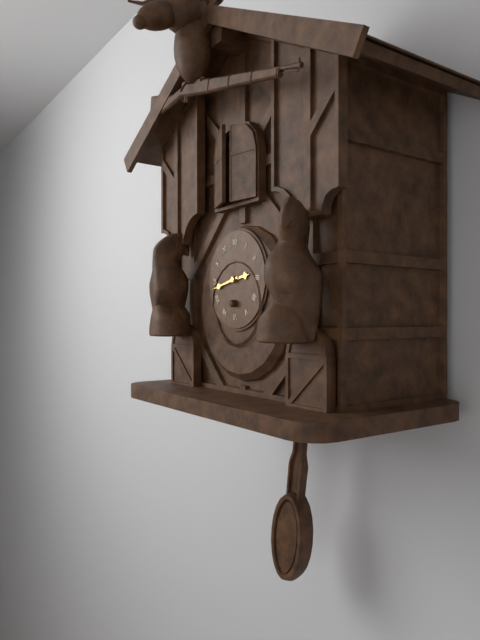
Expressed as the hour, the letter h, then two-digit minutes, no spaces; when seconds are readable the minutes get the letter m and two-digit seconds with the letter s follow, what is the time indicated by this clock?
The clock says 2h43
